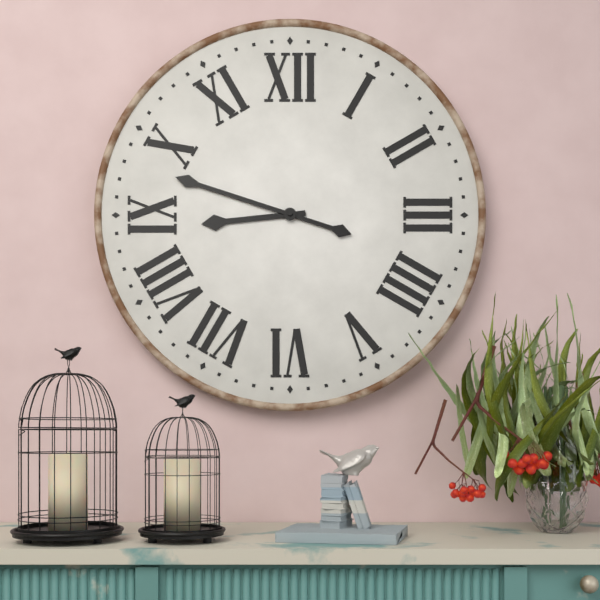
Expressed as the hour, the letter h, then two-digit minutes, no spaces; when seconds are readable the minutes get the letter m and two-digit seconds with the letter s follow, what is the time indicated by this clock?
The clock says 8h48
